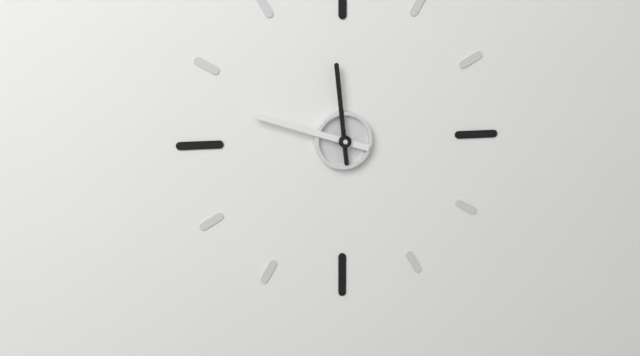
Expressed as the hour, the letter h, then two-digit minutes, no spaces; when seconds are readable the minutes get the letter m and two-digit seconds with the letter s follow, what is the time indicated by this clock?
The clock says 11h48
